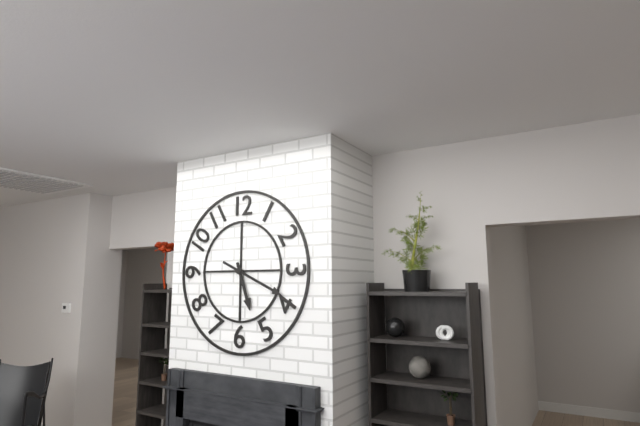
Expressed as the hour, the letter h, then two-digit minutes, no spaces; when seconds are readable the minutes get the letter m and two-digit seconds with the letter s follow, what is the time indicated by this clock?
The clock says 5h19
